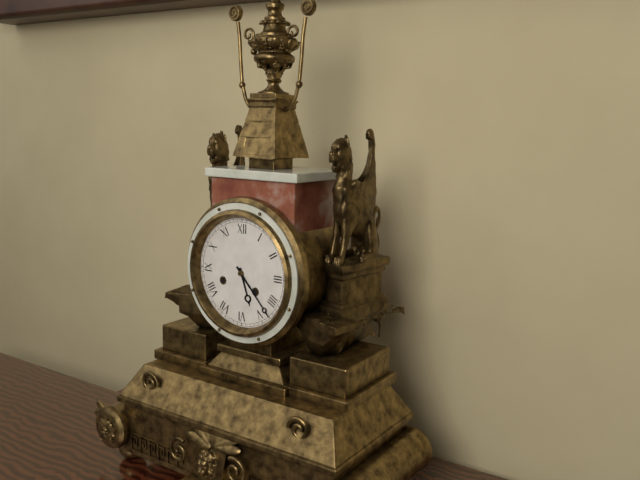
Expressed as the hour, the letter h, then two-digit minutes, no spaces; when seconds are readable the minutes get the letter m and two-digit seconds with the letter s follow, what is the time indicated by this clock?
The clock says 5h23
